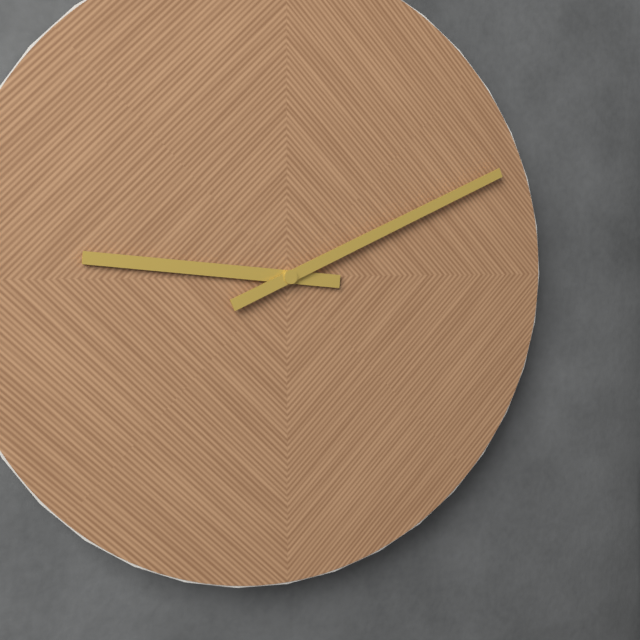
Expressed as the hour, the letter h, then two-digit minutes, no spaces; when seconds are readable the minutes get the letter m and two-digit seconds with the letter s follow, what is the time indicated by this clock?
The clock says 9h11
